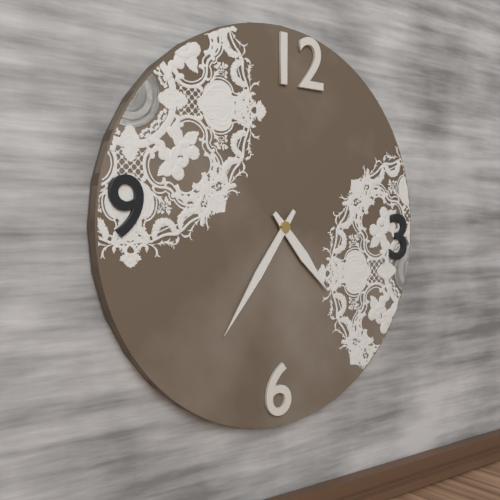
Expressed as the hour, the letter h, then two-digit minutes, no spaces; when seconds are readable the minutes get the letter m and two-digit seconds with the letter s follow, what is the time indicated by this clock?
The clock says 4h36
